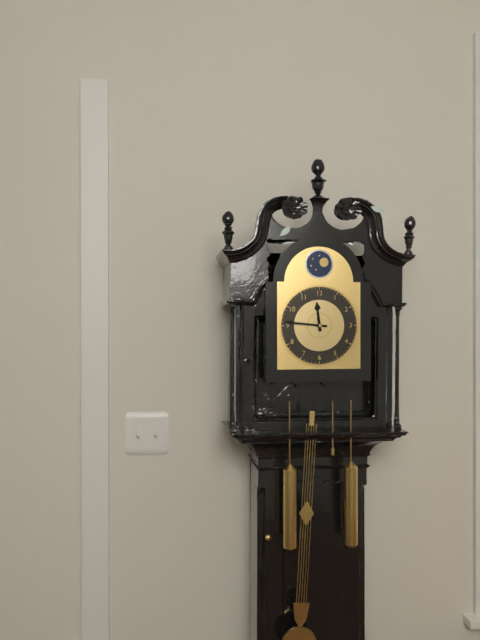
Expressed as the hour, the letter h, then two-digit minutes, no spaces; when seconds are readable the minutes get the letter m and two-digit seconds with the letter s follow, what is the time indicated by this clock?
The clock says 11h46
